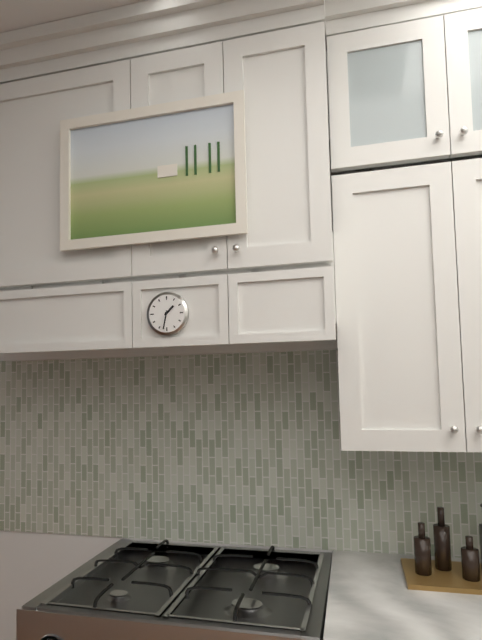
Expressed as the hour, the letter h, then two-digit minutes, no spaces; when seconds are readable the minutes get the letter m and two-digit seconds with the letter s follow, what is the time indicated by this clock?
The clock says 1h32
